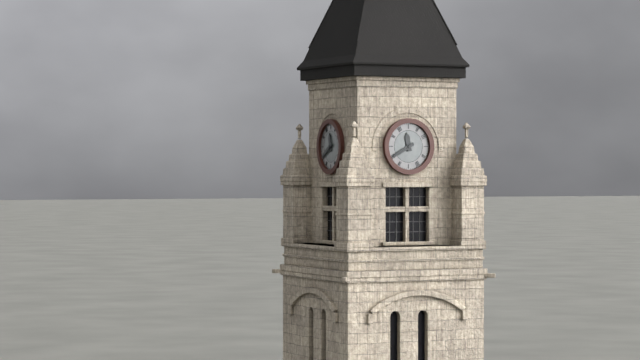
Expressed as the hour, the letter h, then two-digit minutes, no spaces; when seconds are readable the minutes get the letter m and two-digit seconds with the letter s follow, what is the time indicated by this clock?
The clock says 11h40
